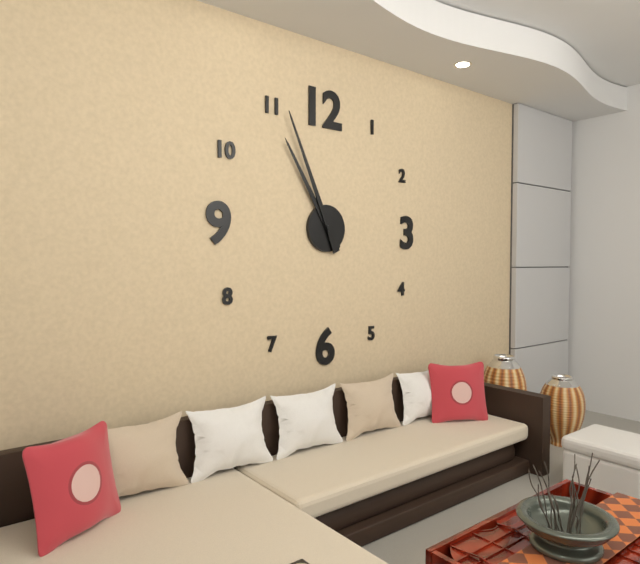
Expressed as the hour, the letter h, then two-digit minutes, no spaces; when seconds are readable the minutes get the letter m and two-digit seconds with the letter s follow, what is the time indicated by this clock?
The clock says 10h56
